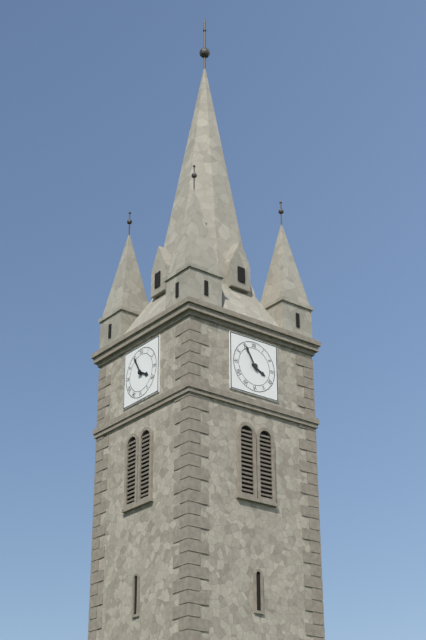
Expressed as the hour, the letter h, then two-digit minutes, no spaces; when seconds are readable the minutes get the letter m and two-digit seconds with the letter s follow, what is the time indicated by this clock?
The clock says 3h55
